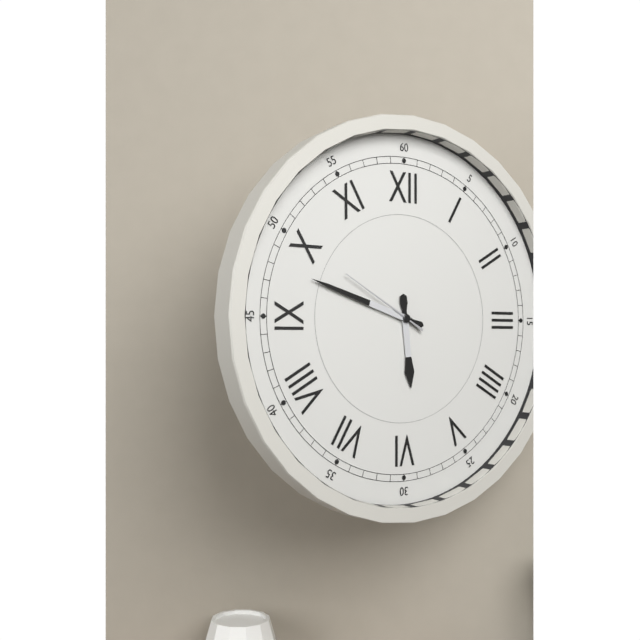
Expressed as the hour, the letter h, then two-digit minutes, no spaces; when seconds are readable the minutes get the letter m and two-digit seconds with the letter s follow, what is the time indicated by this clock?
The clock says 5h48m50s
